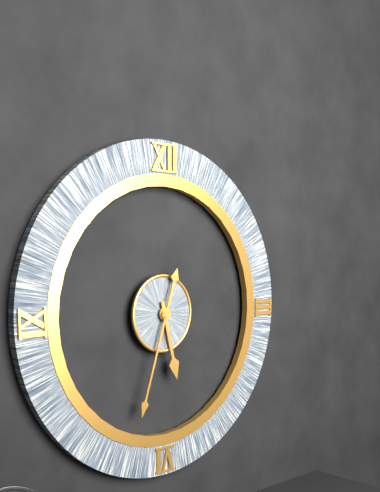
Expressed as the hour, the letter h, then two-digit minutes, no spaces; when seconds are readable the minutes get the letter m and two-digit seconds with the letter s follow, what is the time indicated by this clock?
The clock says 5h33
